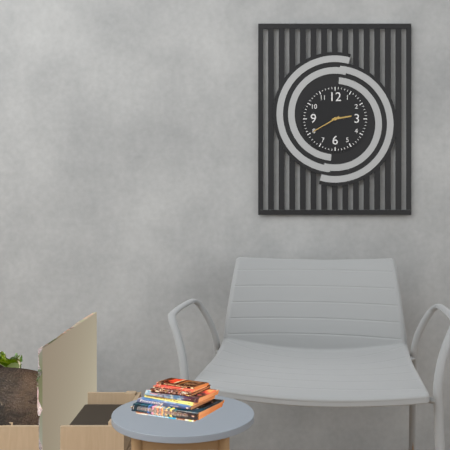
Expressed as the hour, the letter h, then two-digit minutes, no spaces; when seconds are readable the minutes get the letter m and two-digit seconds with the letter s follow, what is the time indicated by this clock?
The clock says 2h40
